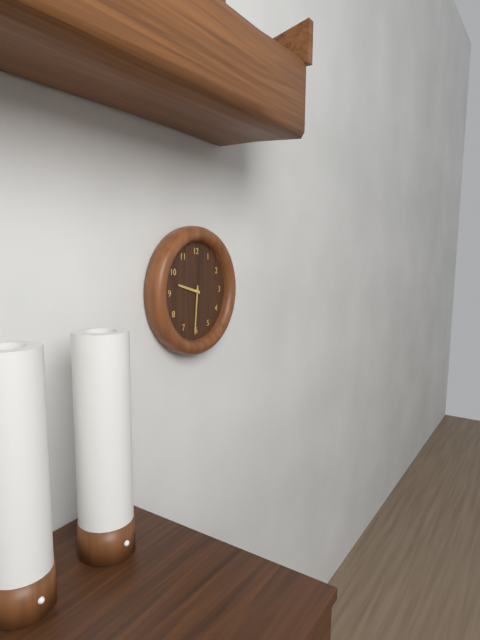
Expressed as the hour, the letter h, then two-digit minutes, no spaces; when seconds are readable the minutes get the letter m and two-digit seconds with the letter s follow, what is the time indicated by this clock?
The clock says 9h31
